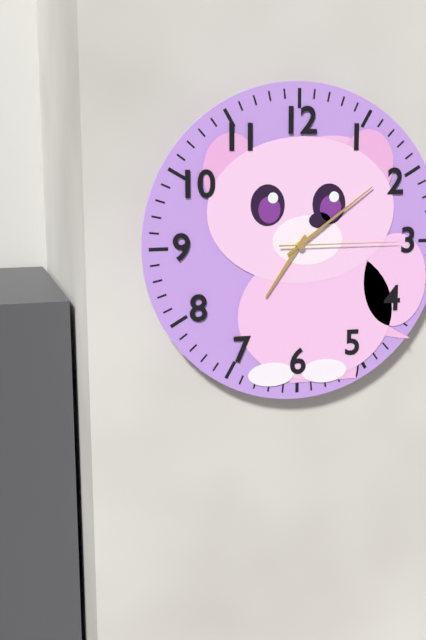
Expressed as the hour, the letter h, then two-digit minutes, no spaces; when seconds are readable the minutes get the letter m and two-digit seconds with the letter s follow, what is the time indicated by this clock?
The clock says 7h09m15s
